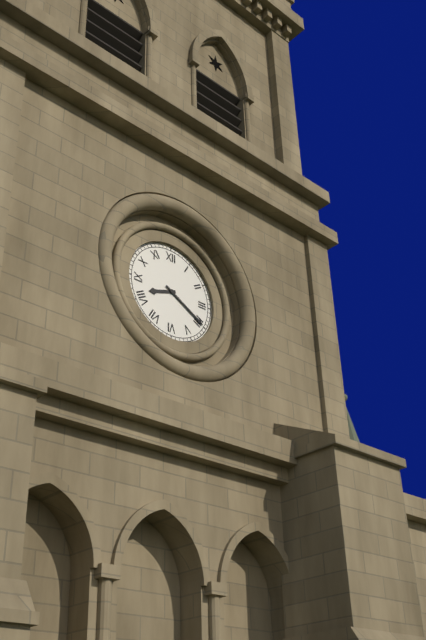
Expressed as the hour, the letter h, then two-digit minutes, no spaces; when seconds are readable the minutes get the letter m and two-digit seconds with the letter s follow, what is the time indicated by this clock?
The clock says 8h20
